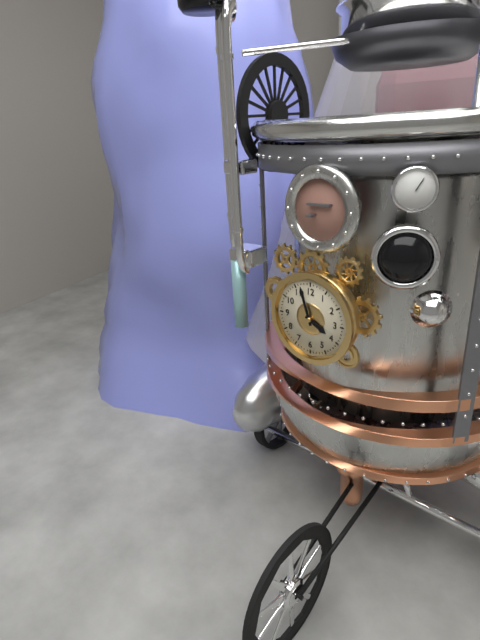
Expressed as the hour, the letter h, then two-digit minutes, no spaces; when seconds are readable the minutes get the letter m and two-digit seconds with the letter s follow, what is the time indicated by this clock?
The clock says 3h57
